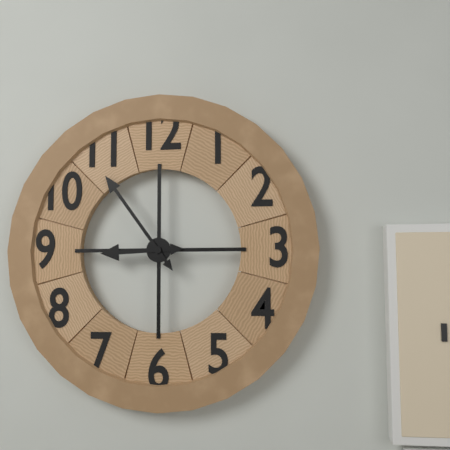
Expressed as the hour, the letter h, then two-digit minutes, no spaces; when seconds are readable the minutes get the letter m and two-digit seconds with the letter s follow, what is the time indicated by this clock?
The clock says 8h54
